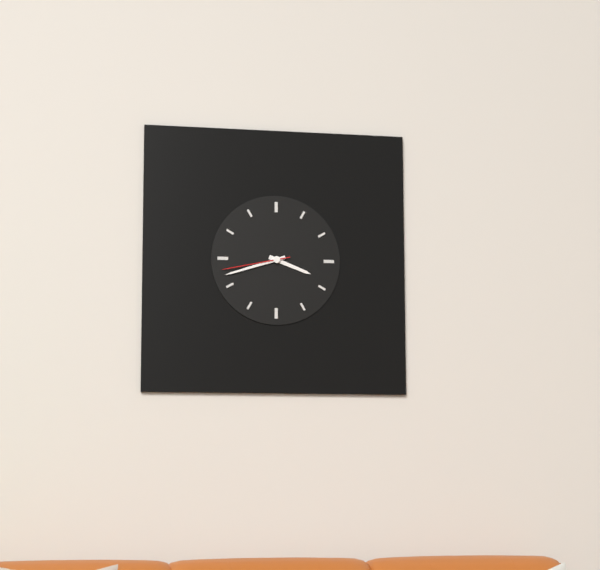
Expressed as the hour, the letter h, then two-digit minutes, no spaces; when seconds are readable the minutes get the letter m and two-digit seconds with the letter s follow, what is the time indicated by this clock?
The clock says 3h42m43s
